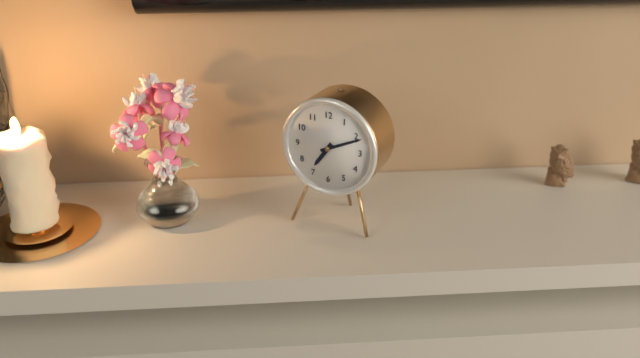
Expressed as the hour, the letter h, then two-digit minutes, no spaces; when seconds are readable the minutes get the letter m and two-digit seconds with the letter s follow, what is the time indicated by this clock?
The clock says 7h11
